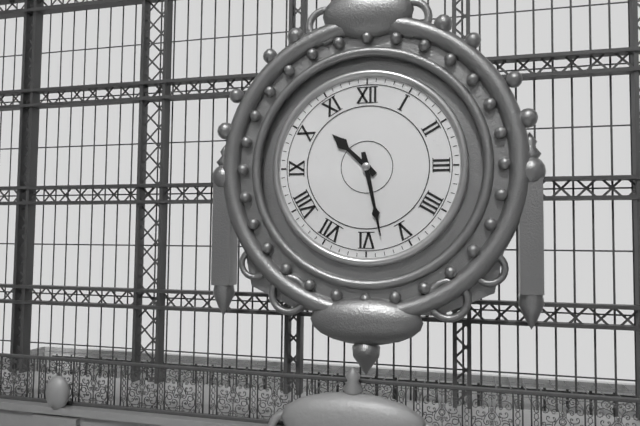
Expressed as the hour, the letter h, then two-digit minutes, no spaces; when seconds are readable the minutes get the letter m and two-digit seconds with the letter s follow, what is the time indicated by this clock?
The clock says 10h28
